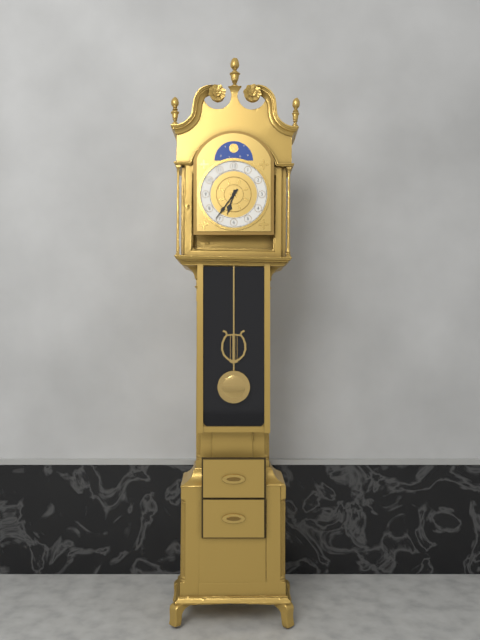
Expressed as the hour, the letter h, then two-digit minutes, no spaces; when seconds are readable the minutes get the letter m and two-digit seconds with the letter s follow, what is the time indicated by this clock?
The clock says 6h36
